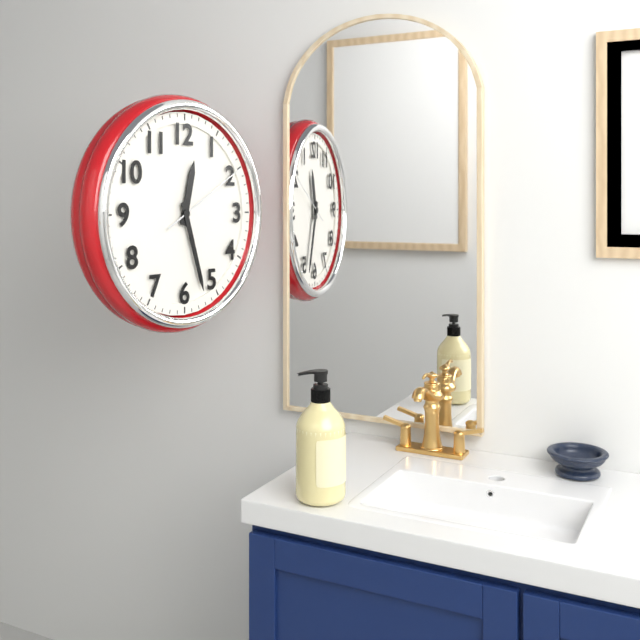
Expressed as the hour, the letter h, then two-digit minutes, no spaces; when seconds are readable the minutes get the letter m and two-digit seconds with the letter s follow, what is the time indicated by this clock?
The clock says 12h27m10s
